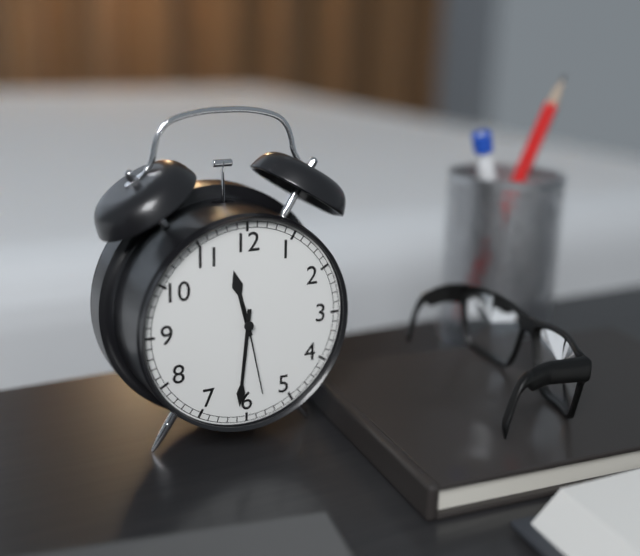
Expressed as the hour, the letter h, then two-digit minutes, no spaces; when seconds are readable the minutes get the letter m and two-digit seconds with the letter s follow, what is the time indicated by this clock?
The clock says 11h31m28s
